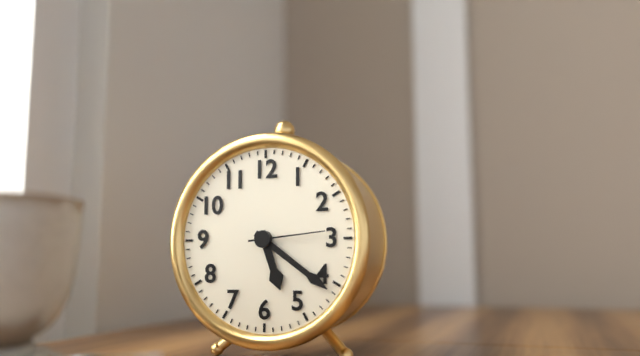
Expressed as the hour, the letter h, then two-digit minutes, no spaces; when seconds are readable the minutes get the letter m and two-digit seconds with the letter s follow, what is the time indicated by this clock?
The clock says 5h21m14s
